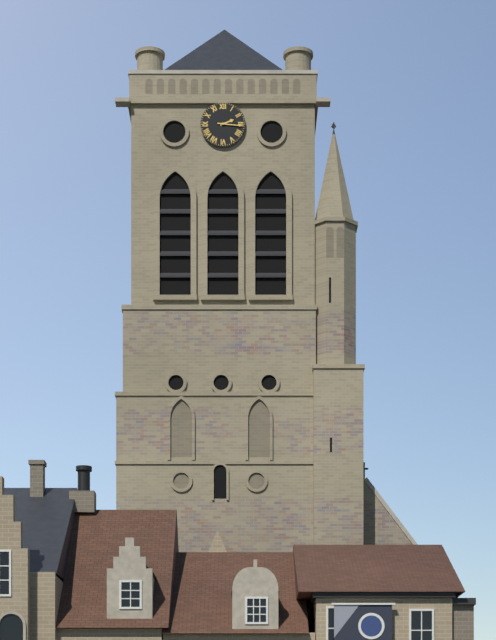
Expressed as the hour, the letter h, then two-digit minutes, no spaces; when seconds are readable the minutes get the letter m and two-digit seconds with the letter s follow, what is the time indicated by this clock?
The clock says 2h16
